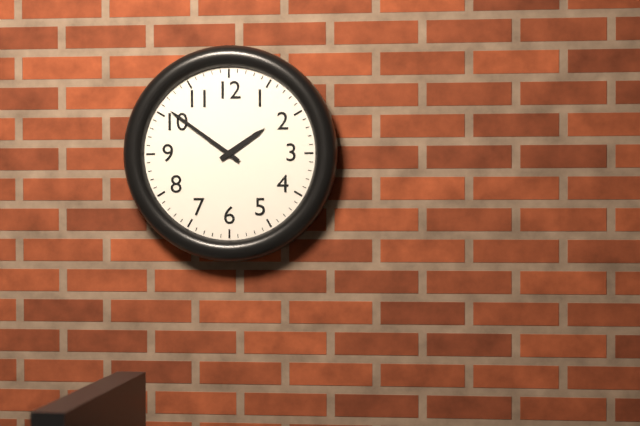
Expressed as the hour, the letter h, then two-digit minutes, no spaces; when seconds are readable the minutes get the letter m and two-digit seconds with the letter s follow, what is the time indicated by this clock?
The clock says 1h51
